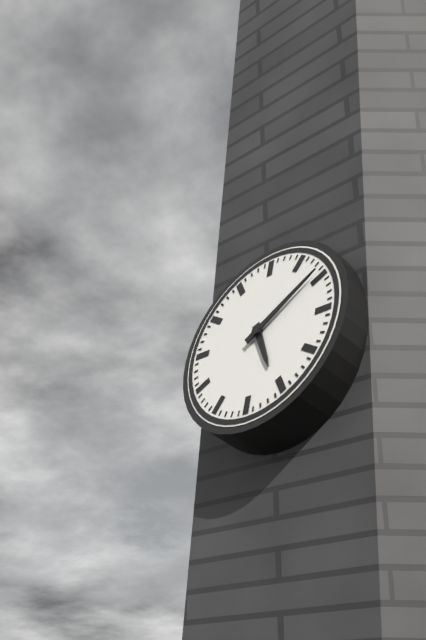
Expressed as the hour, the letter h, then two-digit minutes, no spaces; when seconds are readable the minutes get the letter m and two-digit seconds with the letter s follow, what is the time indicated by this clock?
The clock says 5h09
